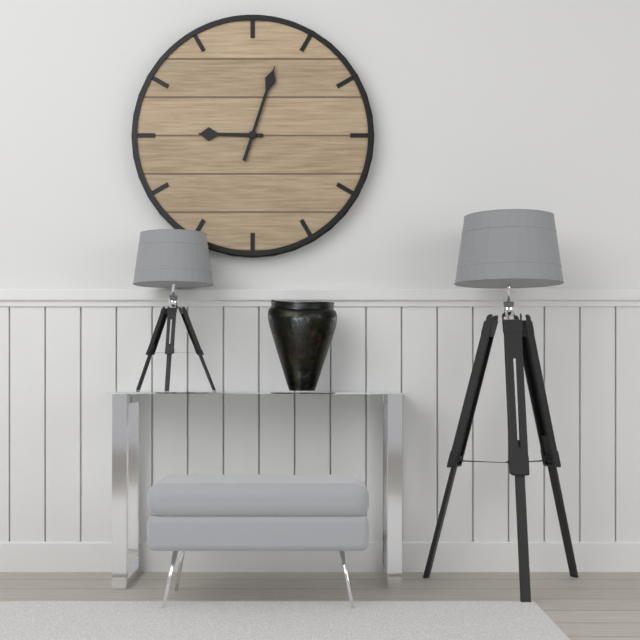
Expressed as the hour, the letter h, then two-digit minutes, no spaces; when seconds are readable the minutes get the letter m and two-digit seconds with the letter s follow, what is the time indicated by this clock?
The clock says 9h03
